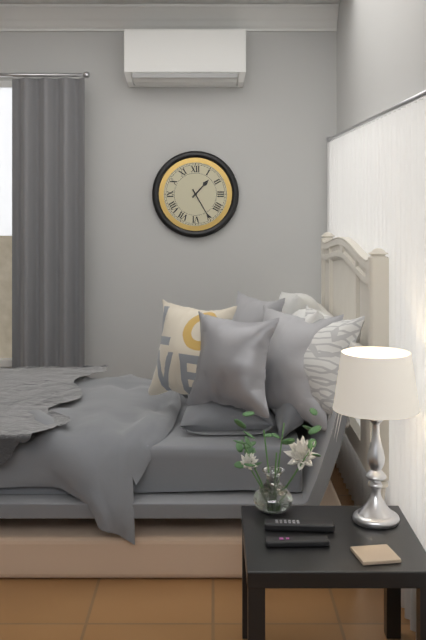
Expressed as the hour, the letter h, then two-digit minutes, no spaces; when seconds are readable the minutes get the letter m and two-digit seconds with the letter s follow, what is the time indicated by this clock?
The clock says 1h25
